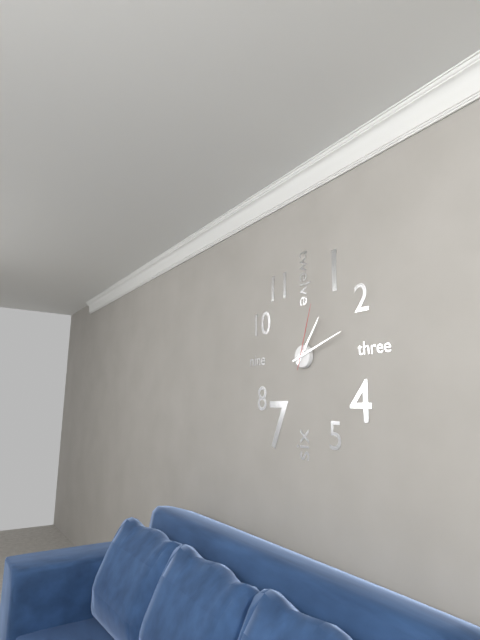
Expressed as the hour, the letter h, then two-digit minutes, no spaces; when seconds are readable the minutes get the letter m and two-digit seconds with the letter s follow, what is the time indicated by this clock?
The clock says 1h12m03s
